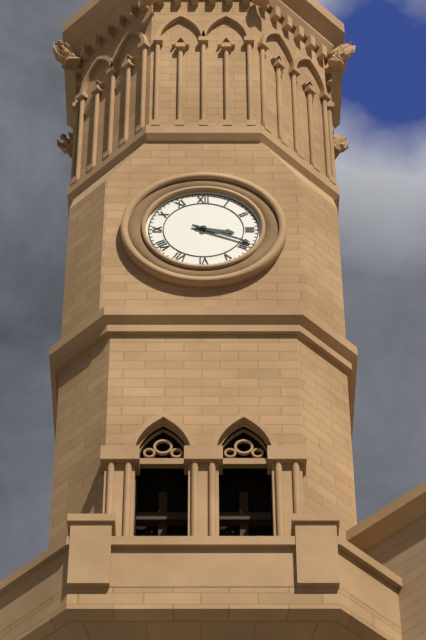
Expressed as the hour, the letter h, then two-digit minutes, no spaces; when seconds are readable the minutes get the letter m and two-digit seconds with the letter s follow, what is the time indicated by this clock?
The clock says 3h19
